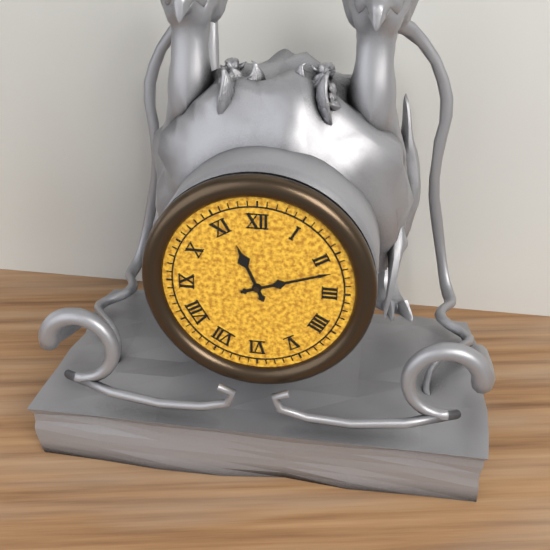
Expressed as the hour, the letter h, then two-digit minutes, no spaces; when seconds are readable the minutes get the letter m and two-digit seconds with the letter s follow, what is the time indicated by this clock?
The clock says 11h12
